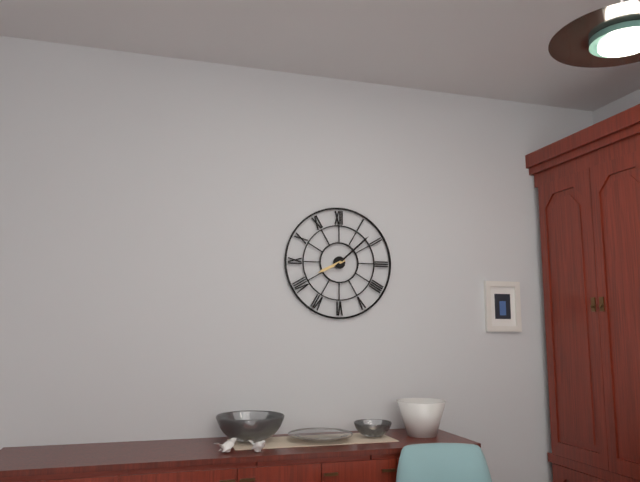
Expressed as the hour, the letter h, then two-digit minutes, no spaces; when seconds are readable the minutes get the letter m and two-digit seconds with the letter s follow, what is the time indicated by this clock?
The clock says 8h08
